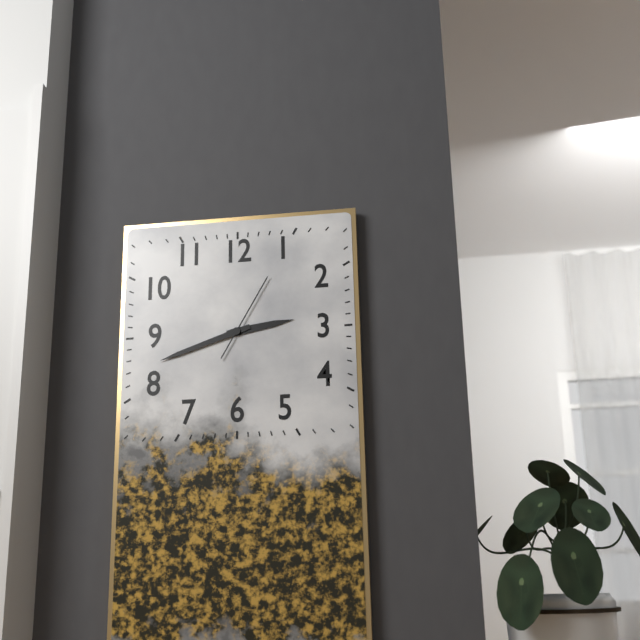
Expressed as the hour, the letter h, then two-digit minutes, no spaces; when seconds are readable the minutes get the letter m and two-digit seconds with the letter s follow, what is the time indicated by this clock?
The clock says 2h42m05s
